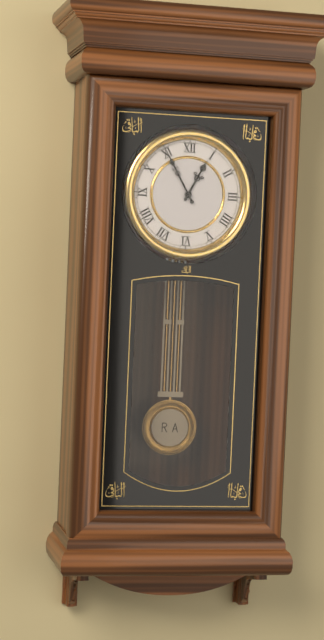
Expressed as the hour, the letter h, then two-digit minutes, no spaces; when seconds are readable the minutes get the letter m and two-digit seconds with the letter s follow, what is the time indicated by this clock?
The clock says 12h55
